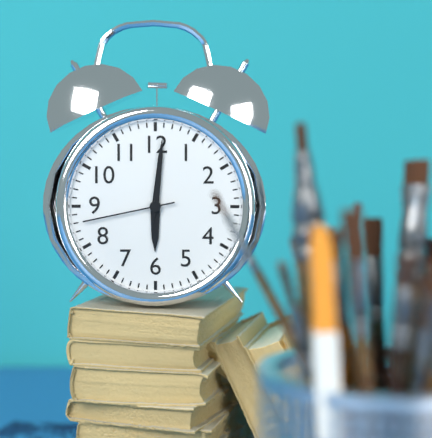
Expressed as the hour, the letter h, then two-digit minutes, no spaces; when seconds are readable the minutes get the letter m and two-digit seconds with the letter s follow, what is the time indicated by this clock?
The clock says 6h01m43s
